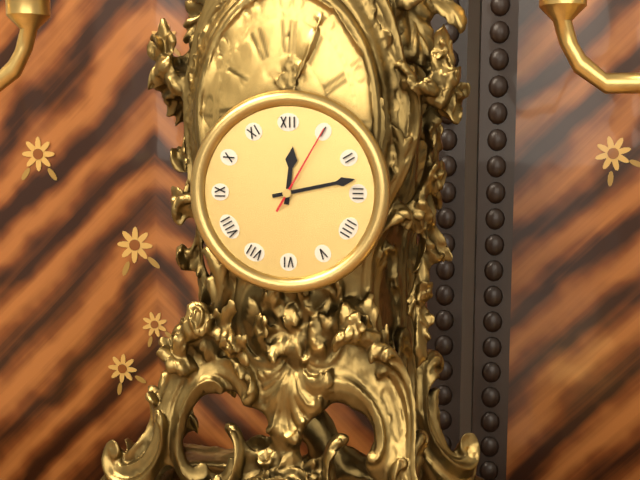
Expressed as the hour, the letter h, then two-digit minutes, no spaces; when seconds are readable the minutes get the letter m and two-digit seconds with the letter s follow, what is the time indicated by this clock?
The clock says 12h13m05s
